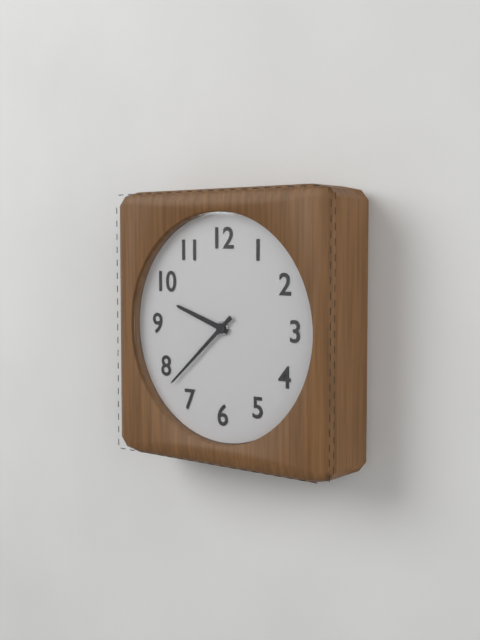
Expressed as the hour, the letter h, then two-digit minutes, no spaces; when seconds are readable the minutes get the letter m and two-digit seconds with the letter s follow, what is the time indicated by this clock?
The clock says 9h38
